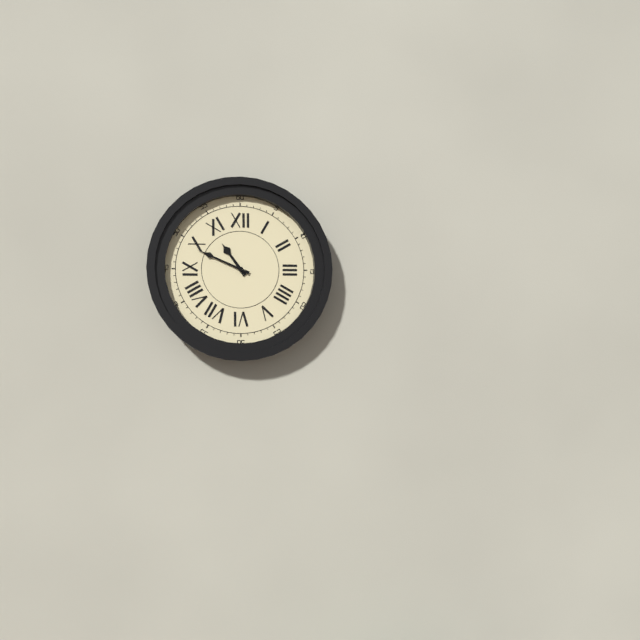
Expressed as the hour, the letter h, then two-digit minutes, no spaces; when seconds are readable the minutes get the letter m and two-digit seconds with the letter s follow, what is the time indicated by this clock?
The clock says 10h49
